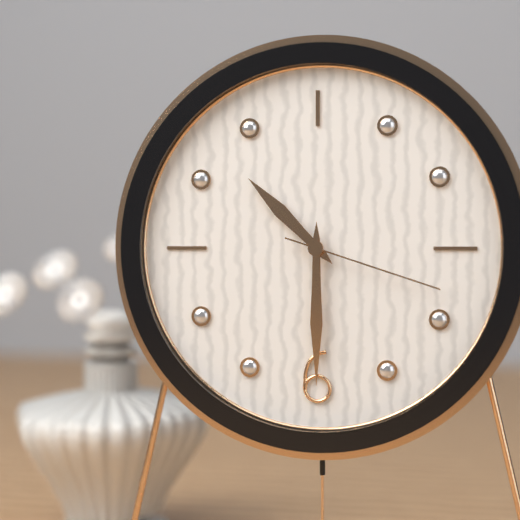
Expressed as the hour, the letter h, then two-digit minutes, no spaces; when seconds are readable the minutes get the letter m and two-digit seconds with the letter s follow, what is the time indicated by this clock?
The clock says 10h30m18s
